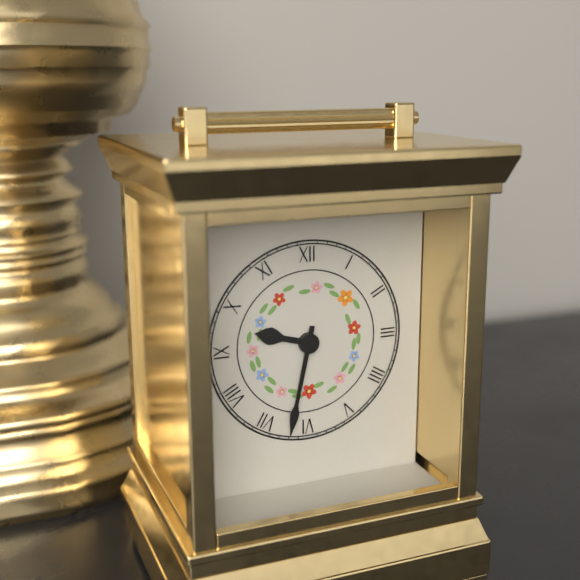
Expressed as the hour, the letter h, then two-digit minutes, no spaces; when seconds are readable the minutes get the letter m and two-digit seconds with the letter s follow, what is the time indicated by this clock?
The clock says 9h32
